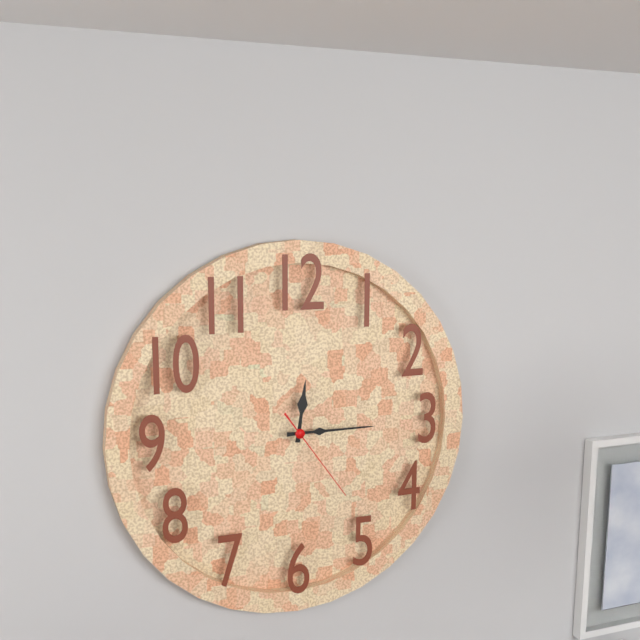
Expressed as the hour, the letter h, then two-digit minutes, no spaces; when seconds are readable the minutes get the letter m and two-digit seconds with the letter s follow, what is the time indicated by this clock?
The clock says 12h15m24s
